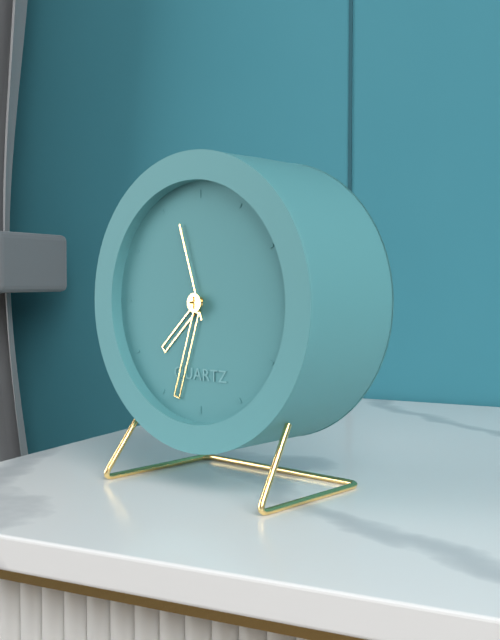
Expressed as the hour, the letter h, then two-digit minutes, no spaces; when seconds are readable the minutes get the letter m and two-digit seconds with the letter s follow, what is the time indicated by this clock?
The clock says 7h33m57s
